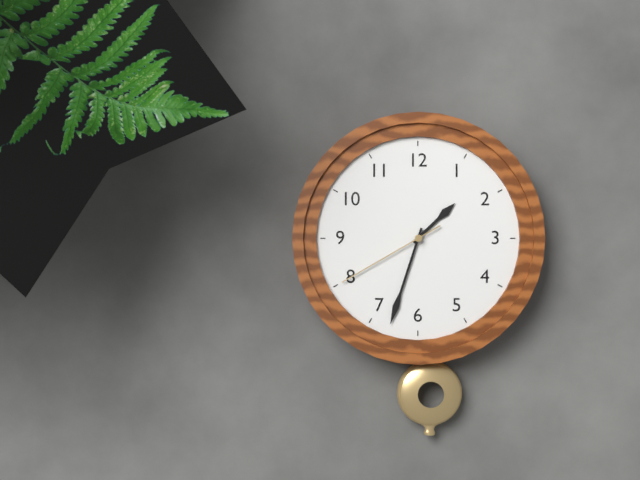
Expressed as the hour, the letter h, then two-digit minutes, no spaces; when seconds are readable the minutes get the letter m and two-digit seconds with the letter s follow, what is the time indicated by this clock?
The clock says 1h33m40s
